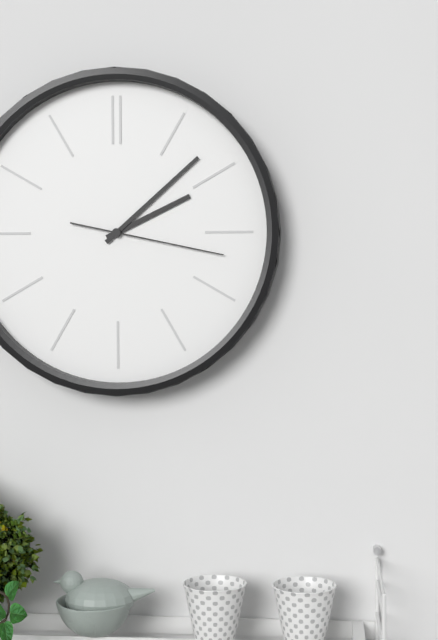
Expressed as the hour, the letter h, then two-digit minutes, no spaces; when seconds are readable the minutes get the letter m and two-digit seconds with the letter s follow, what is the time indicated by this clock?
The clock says 2h08m17s
